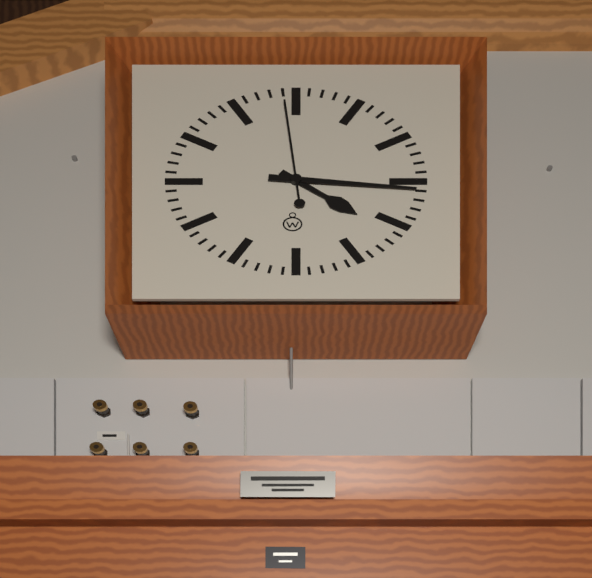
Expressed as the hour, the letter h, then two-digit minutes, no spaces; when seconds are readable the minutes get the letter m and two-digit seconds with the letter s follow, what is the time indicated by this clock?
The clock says 4h16m59s
